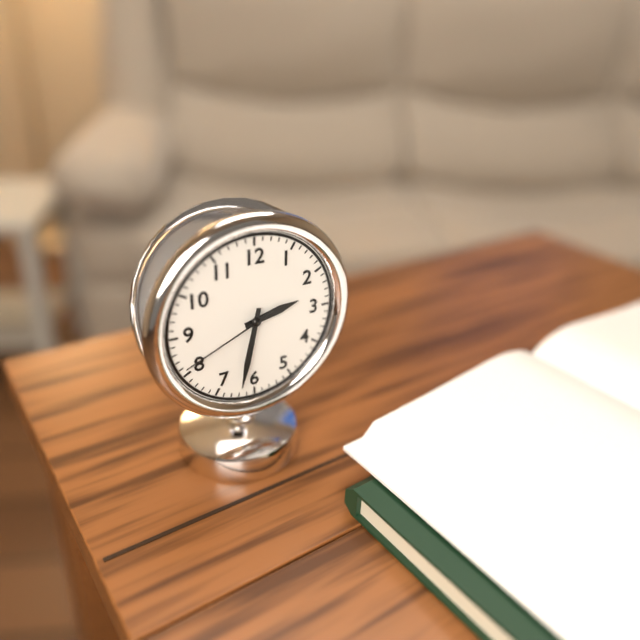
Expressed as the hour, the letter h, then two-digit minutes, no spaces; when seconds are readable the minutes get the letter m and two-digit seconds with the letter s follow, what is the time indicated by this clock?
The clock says 2h32m41s
